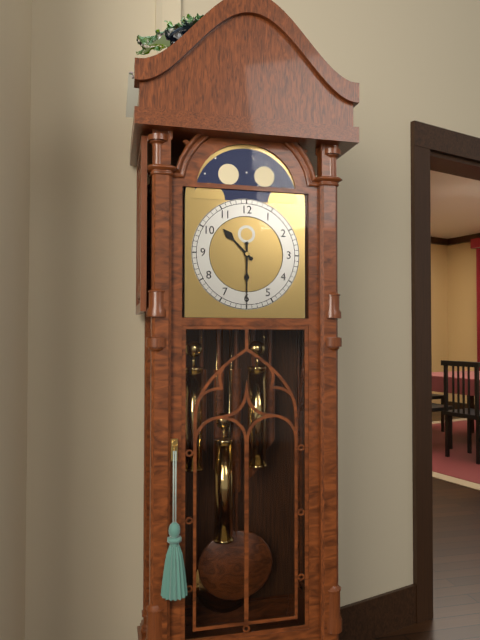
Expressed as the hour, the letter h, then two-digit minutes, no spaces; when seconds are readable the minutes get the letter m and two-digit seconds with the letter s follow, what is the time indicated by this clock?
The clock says 10h30
